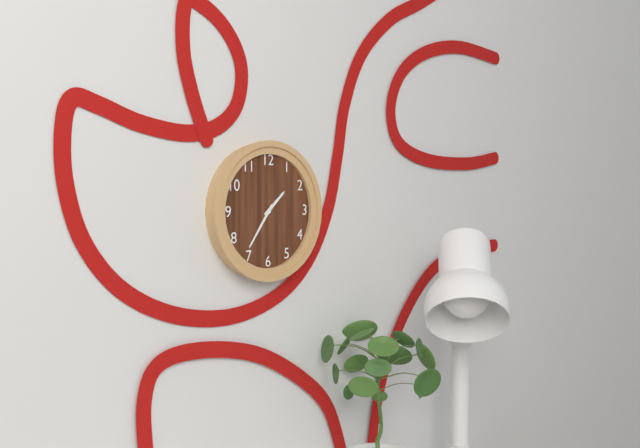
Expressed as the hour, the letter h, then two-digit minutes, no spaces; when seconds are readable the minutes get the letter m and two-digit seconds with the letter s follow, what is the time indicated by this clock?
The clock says 1h36
